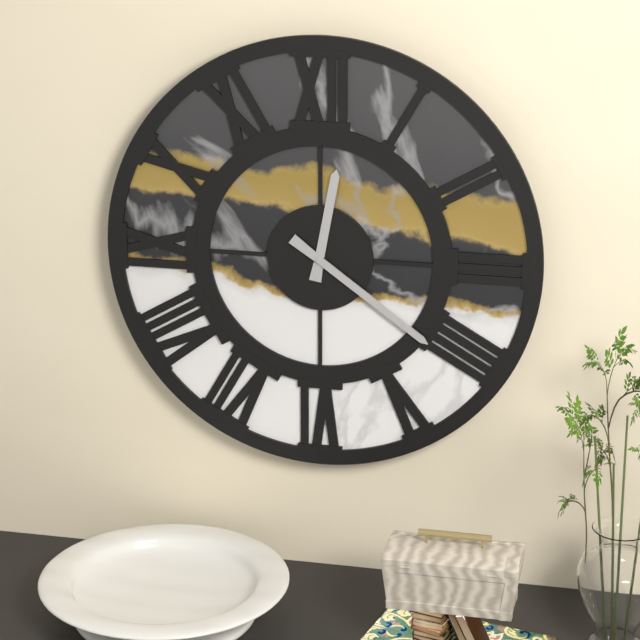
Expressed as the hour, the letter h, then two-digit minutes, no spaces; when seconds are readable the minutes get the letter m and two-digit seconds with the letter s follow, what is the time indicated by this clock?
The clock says 12h21
